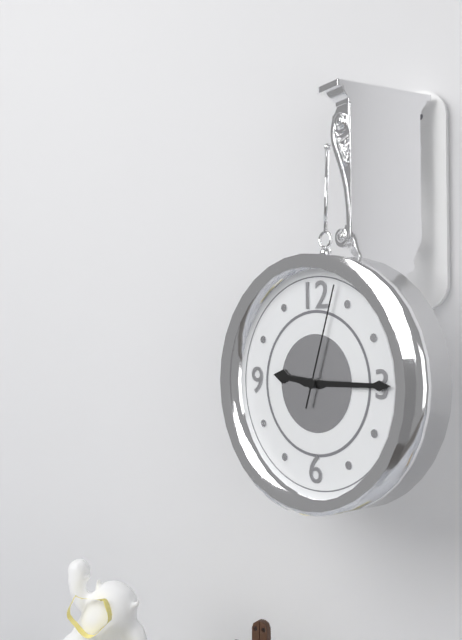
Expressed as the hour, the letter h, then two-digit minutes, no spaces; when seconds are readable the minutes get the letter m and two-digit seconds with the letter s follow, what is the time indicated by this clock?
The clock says 9h15m03s
